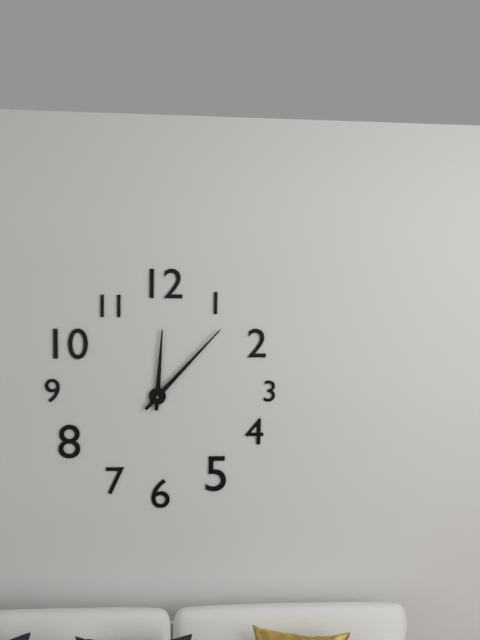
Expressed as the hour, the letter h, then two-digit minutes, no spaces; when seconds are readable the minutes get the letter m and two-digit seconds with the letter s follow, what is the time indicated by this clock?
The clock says 12h07
